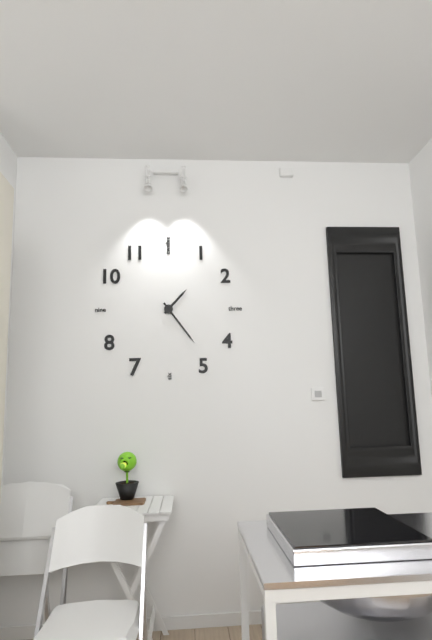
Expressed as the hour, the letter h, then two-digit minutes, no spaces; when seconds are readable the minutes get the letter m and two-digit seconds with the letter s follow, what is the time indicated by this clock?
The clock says 1h24
